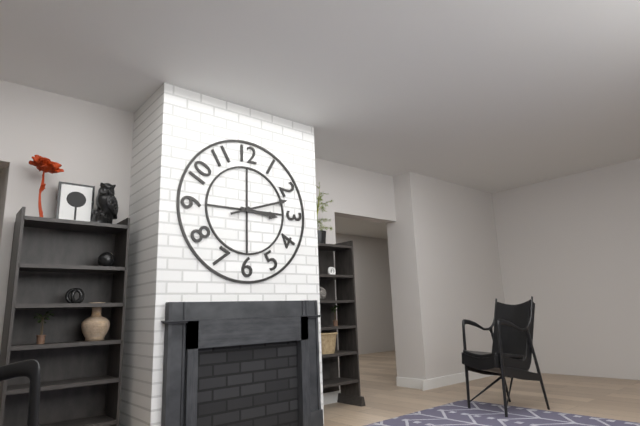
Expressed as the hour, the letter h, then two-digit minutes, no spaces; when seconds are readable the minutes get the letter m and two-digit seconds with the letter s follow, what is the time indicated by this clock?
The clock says 3h12
